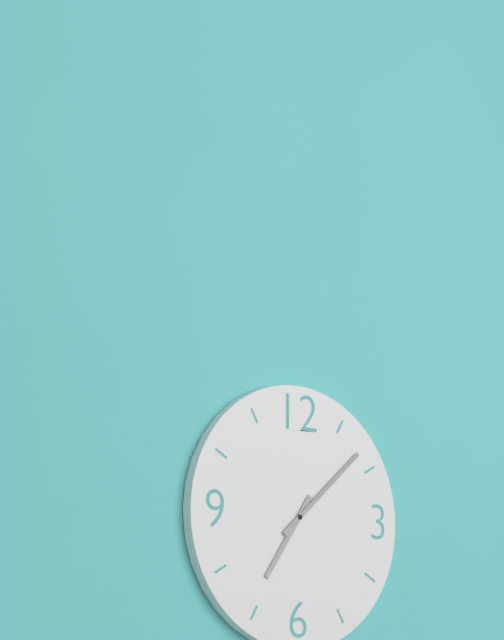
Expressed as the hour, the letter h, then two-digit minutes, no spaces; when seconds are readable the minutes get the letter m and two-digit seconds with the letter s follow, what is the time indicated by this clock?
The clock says 7h08
